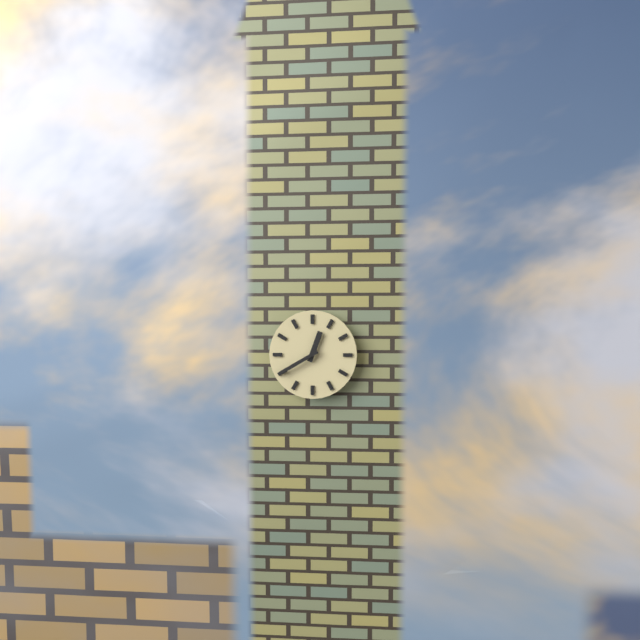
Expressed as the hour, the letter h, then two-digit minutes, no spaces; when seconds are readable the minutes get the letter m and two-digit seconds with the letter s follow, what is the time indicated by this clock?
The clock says 12h40
